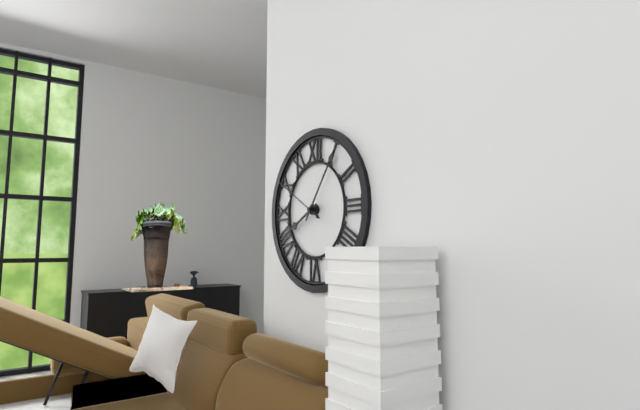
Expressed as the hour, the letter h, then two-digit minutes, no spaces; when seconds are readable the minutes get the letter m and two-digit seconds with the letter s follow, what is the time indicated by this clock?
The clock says 8h06m50s
